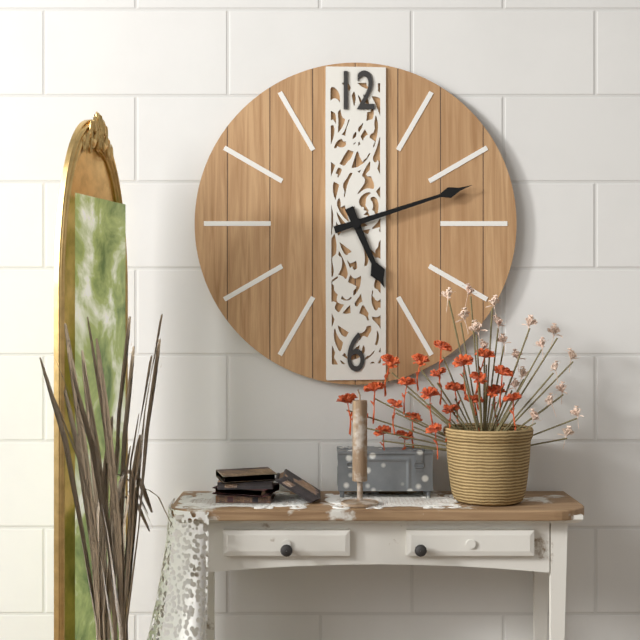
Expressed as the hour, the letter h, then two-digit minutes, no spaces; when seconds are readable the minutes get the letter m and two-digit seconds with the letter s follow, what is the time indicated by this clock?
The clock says 5h12
